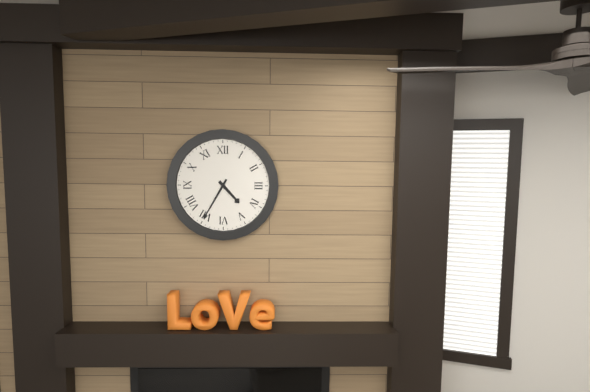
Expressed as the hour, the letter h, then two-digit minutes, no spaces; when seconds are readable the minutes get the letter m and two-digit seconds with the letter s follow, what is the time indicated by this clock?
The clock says 4h35
